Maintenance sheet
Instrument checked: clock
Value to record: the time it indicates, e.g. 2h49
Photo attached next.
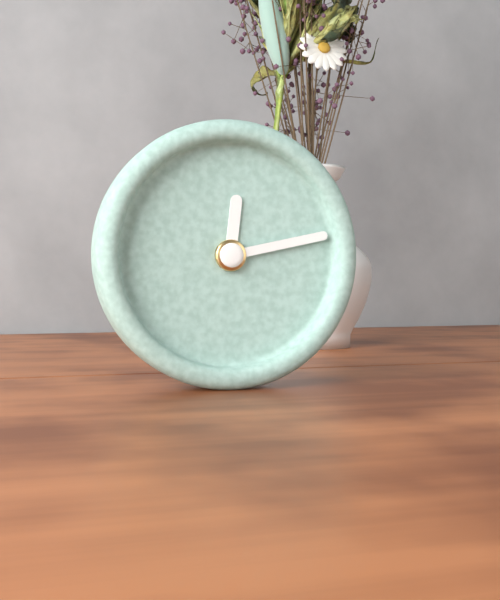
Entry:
12h13
